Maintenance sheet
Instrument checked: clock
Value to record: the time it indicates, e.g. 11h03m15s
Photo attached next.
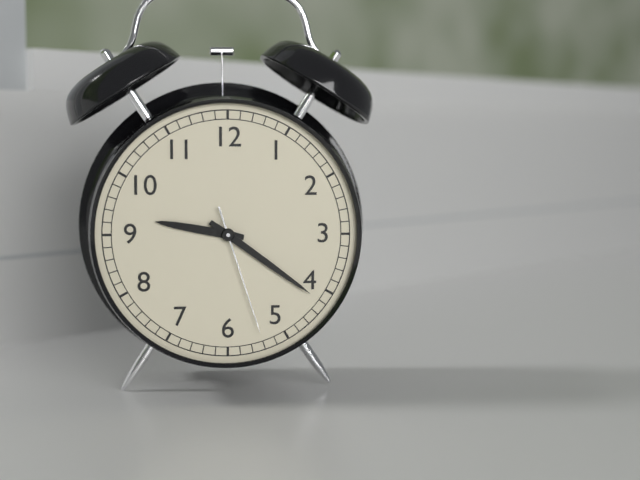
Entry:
9h21m27s
